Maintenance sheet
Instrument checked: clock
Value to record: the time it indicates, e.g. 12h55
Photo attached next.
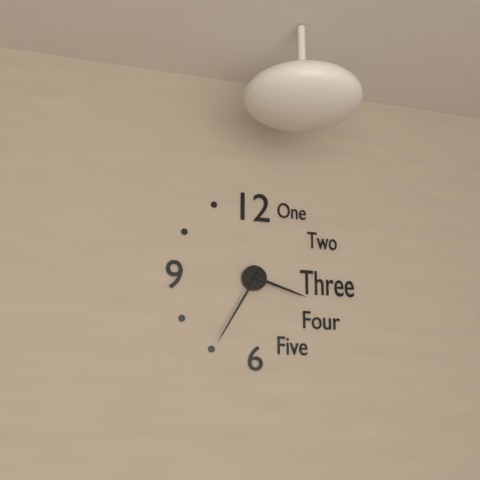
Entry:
3h35
